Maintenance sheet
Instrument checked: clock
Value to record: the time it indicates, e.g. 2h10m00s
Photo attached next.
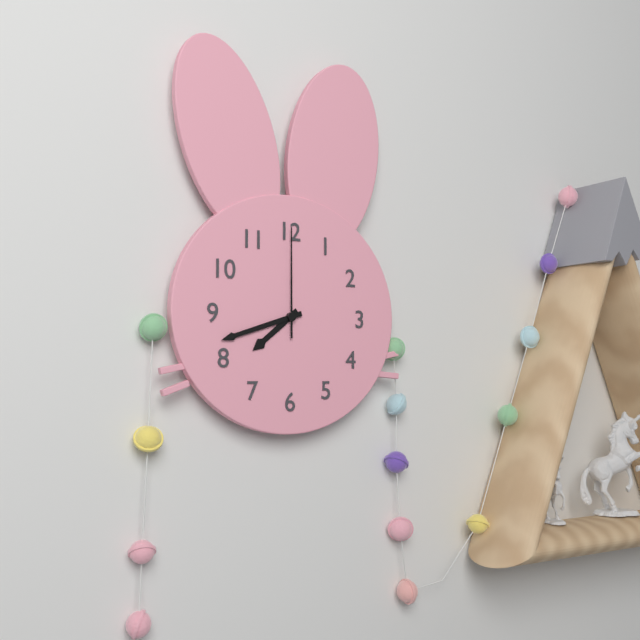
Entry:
7h42m00s
